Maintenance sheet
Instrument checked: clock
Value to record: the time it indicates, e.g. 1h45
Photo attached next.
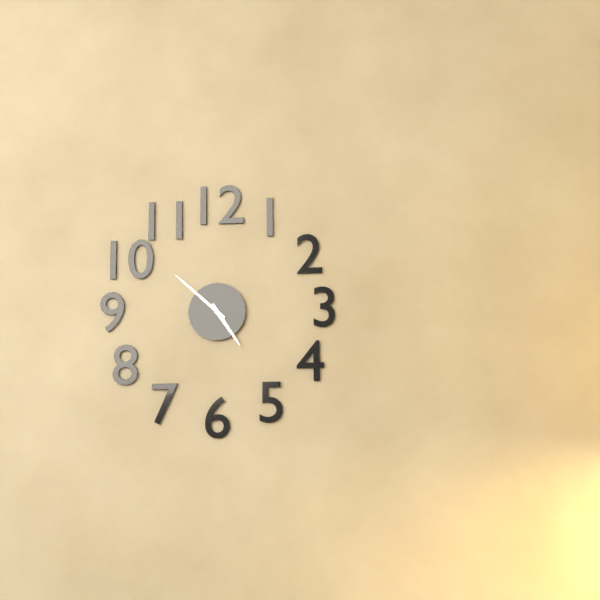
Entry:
4h52
